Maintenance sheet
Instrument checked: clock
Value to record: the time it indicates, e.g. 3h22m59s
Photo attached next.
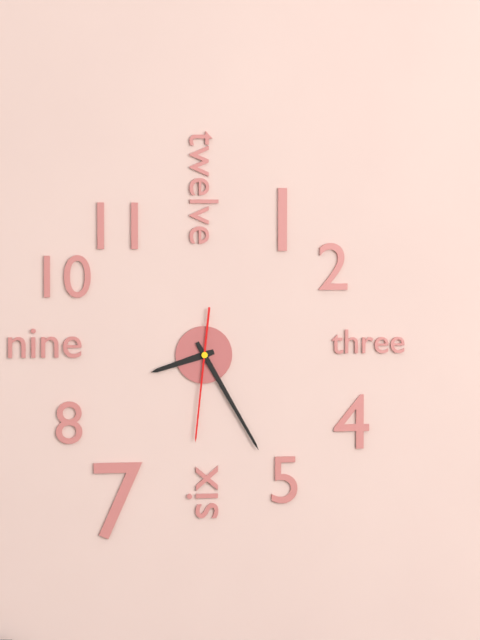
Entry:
8h25m31s
